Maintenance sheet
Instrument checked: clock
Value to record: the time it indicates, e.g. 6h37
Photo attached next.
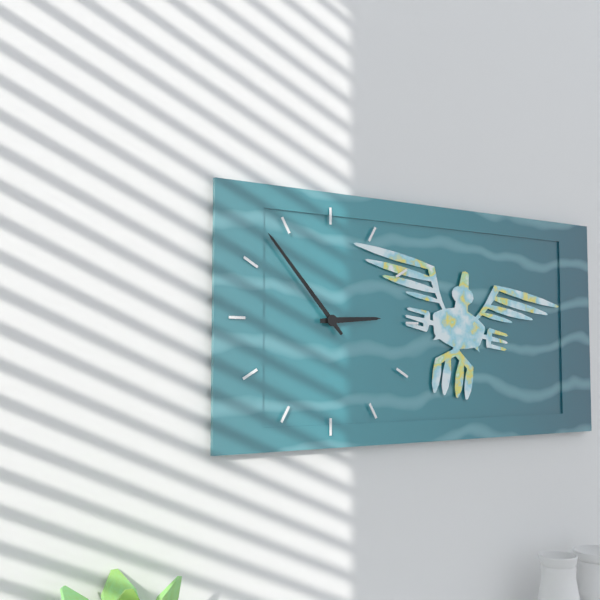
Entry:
2h53
